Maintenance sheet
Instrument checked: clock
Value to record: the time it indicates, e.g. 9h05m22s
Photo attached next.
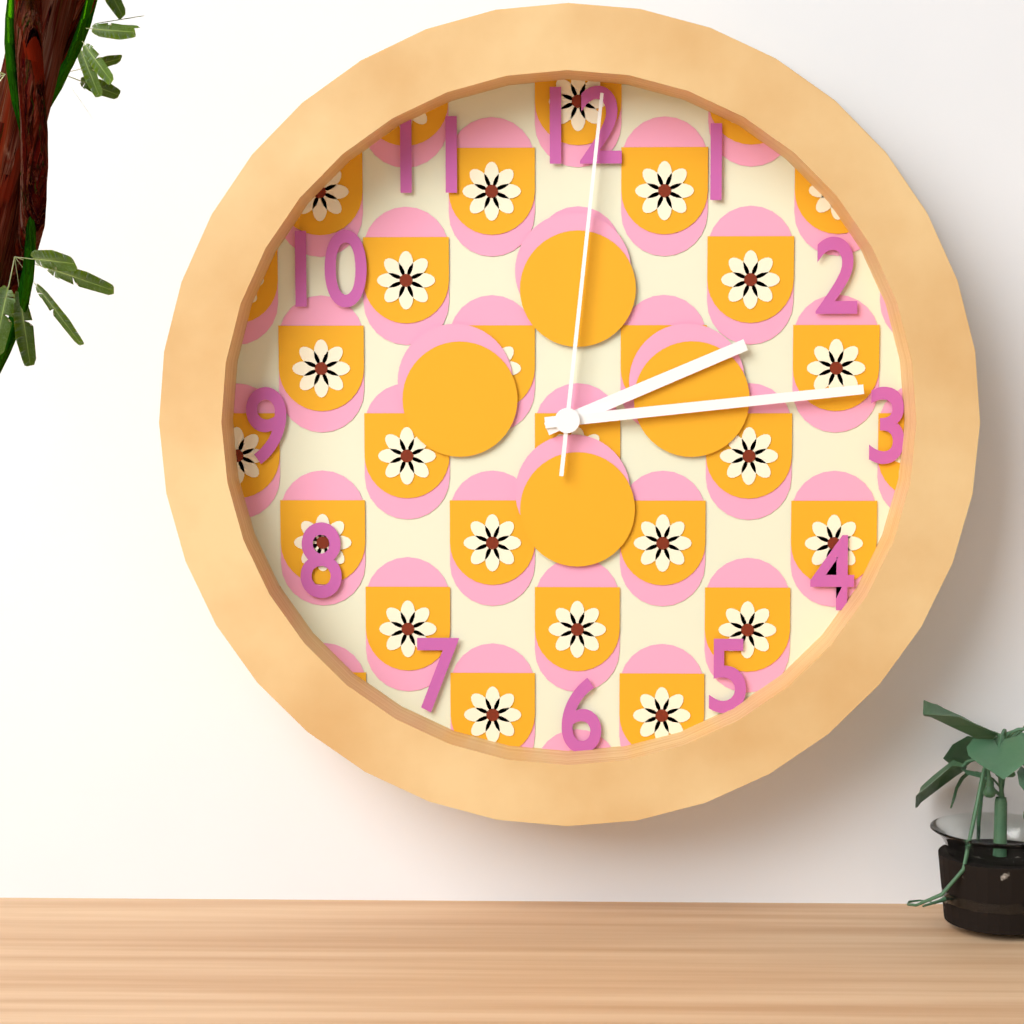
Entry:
2h14m01s
